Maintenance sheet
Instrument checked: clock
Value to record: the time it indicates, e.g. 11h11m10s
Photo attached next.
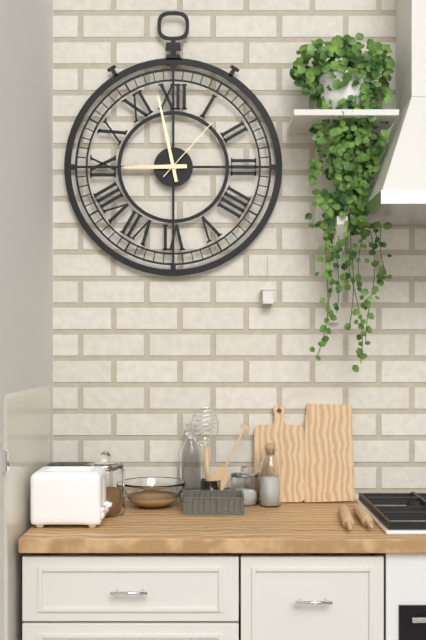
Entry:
8h58m07s
